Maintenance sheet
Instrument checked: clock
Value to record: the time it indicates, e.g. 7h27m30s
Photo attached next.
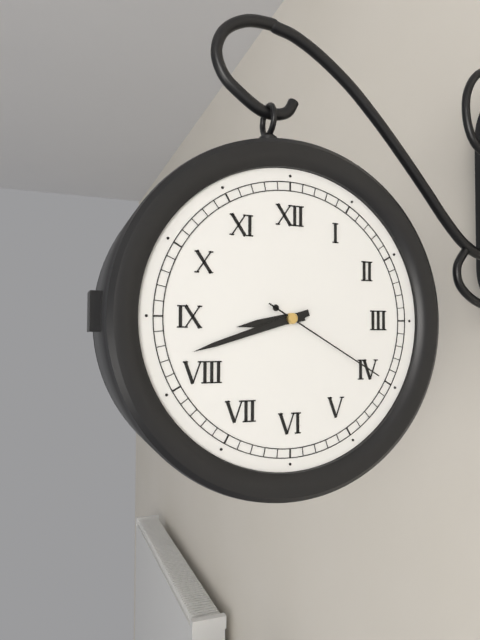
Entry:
8h42m20s
